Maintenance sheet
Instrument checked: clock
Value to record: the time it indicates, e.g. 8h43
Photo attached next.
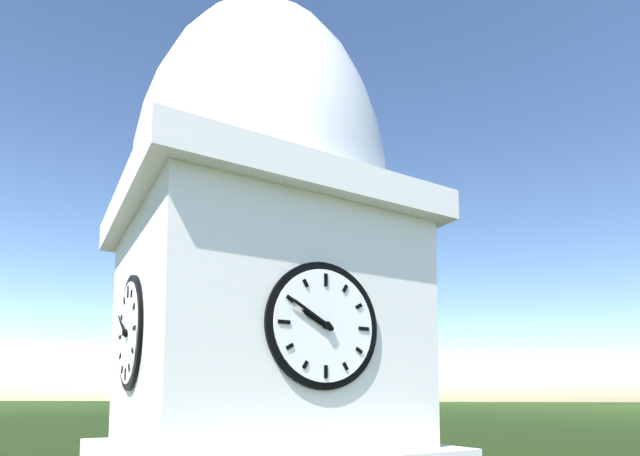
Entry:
9h50
